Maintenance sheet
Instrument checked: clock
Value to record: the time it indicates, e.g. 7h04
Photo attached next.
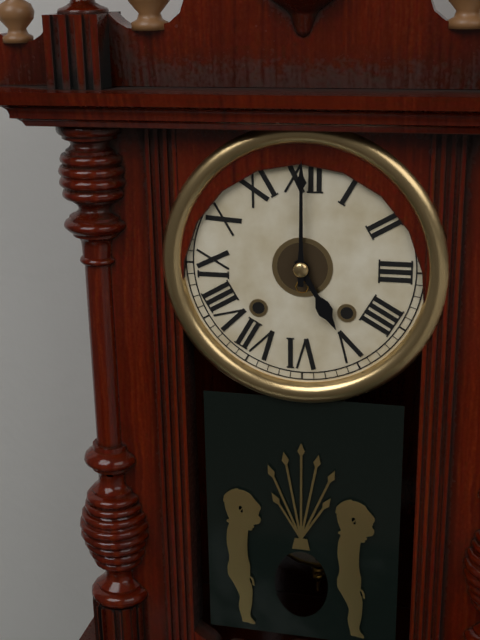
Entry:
5h00
